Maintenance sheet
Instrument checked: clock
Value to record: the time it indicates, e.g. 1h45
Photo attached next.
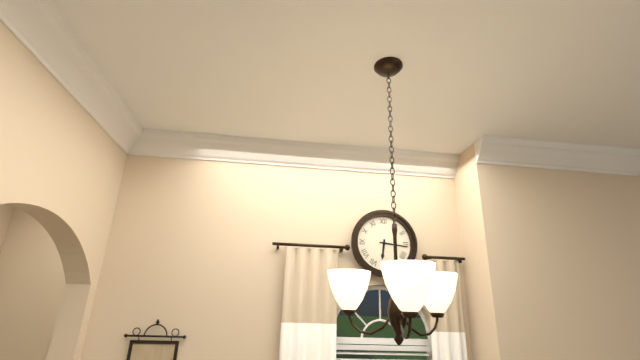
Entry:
6h16
